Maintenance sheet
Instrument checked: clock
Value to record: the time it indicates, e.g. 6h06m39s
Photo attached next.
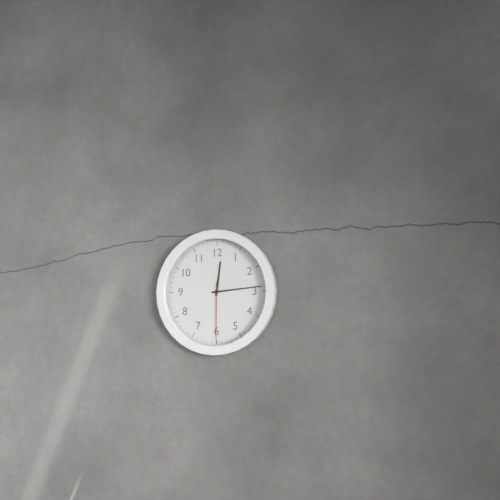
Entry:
12h14m30s
